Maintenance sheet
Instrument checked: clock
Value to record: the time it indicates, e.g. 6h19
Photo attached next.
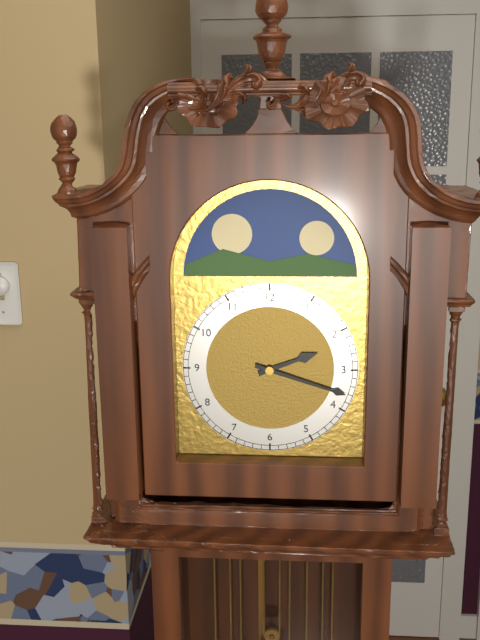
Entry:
2h18
